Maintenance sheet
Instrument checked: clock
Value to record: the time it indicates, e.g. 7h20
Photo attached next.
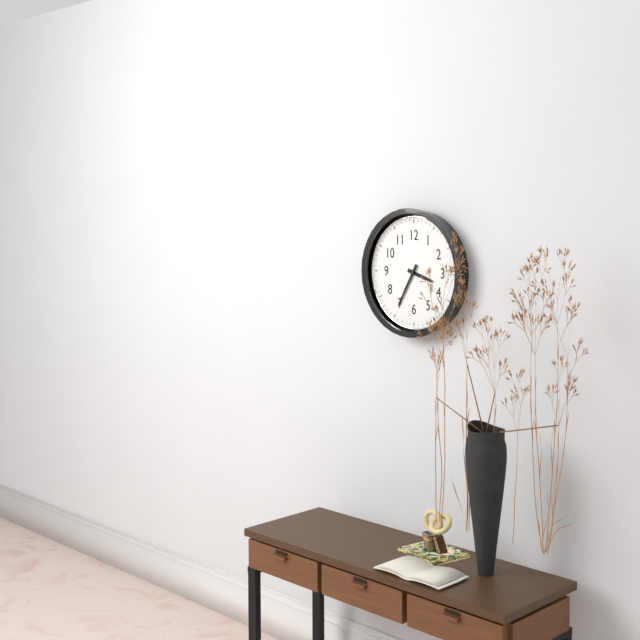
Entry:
3h35
